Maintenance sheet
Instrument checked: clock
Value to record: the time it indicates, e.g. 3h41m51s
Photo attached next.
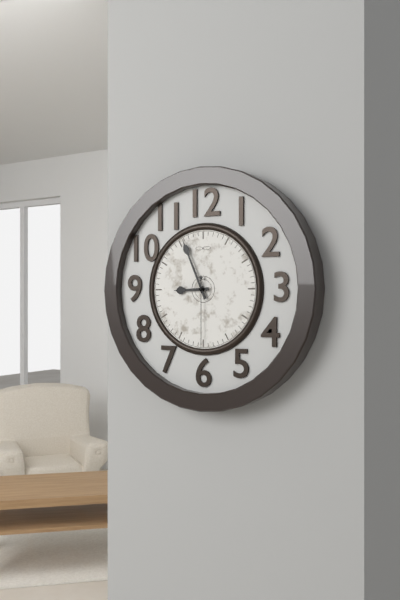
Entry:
8h56m30s
